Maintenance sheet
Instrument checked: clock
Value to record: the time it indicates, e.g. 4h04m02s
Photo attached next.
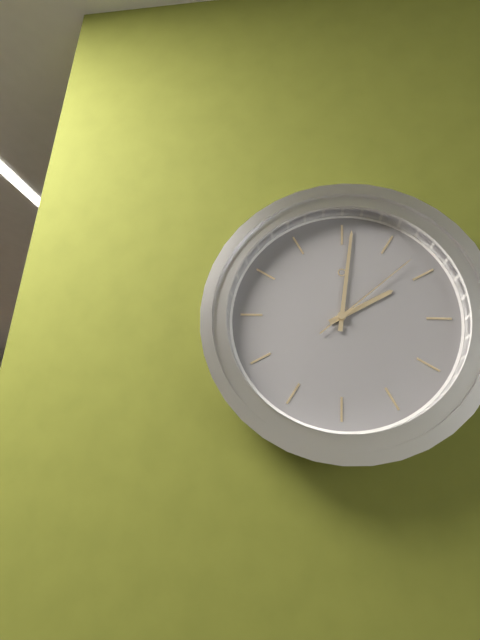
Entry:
2h01m08s
